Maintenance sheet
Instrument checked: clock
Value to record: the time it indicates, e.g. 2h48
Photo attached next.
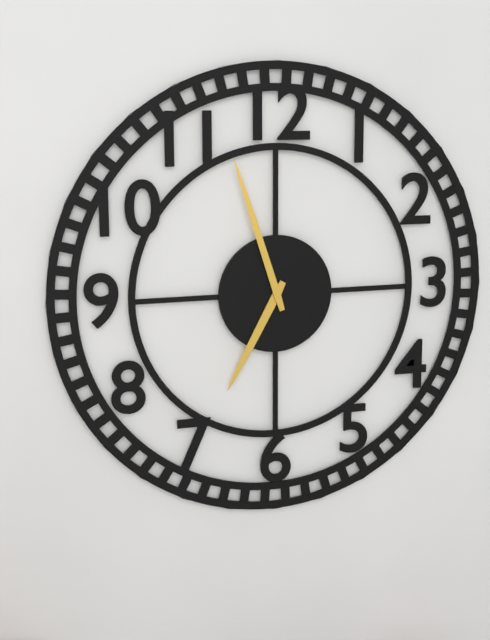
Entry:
6h57
